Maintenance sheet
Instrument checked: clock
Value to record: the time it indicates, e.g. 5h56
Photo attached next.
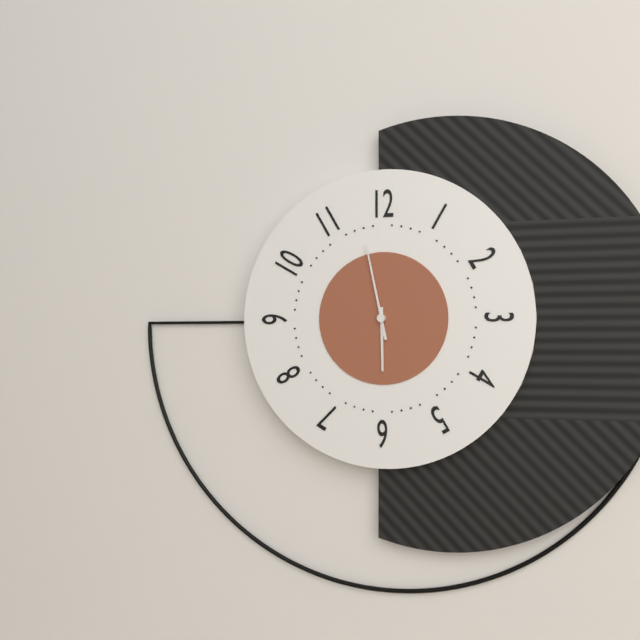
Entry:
5h58
